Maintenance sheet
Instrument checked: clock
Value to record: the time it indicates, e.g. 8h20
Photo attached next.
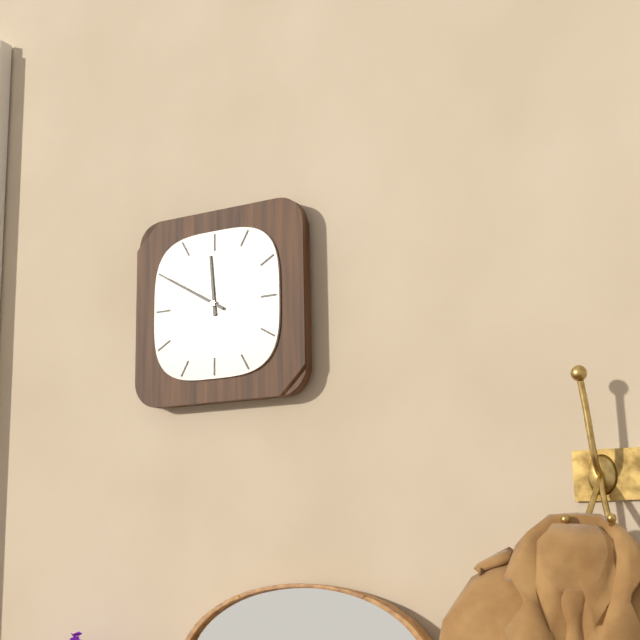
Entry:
11h50
